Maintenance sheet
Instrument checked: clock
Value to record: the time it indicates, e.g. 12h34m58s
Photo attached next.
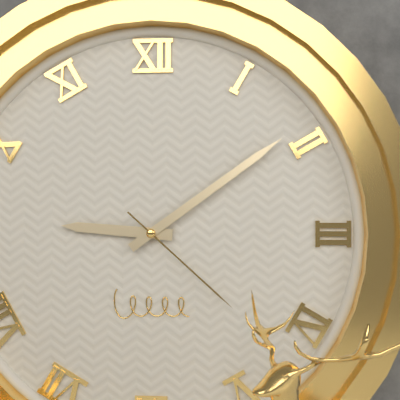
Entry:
9h09m22s
